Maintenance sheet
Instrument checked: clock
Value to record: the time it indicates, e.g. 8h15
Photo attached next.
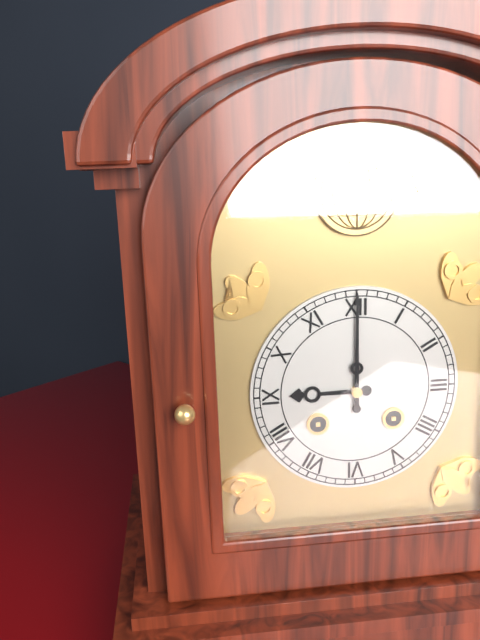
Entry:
9h00
